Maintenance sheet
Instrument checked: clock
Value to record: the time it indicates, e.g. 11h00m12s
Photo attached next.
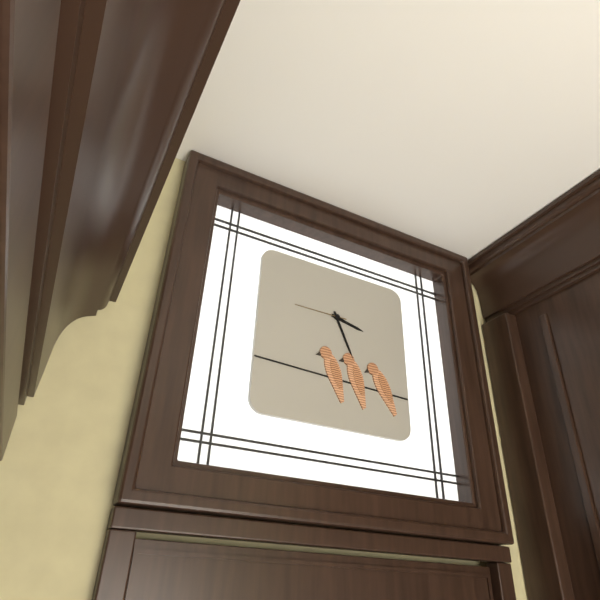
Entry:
3h26m45s
